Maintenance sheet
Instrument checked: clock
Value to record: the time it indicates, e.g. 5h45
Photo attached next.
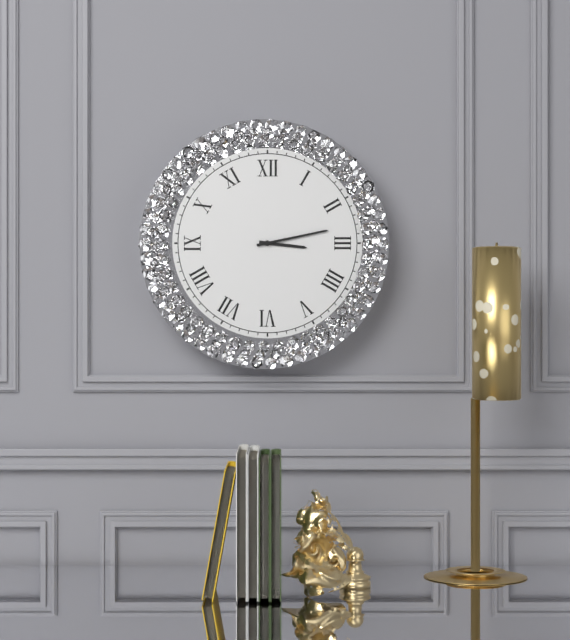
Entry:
3h13
